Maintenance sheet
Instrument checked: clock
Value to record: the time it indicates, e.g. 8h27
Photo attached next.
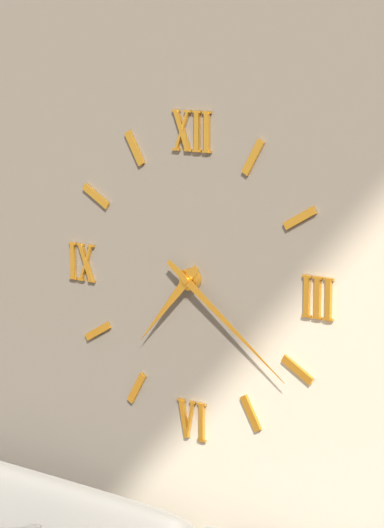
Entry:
7h21
